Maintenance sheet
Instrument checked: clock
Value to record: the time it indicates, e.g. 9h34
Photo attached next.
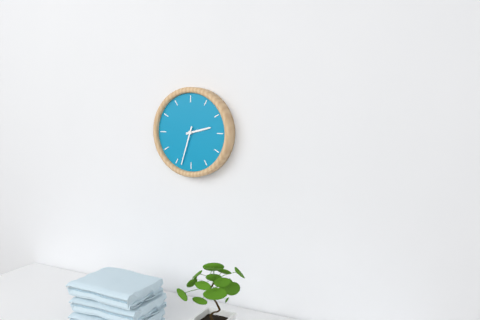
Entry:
2h33
